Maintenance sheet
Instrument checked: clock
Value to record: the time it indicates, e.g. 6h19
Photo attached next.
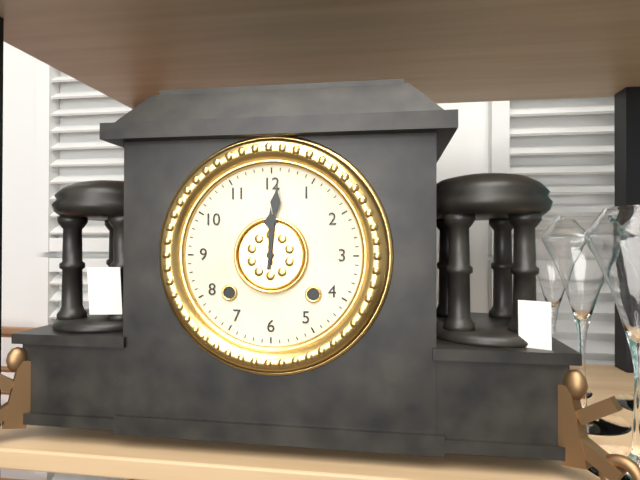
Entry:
12h01
